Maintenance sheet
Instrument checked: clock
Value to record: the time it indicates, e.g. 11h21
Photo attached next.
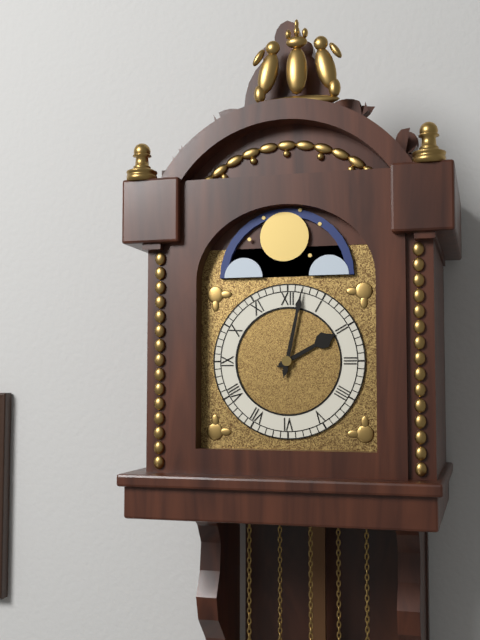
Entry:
2h02
